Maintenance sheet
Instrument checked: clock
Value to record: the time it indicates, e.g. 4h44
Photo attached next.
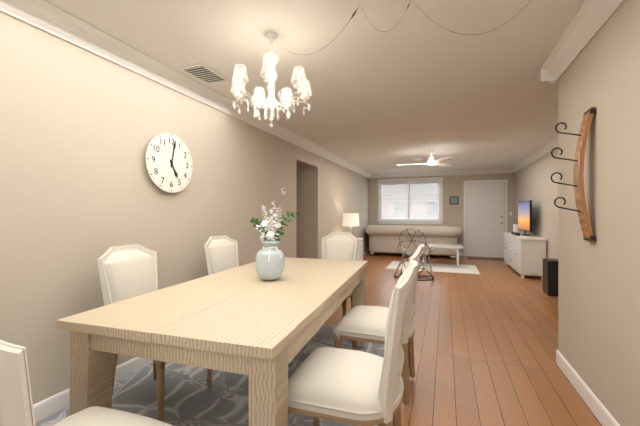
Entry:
5h02
